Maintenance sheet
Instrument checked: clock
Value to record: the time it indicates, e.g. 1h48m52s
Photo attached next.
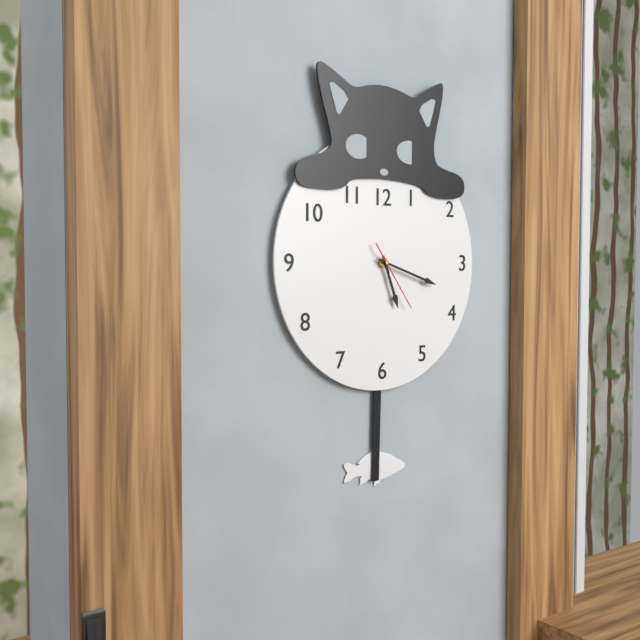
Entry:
5h18m24s
